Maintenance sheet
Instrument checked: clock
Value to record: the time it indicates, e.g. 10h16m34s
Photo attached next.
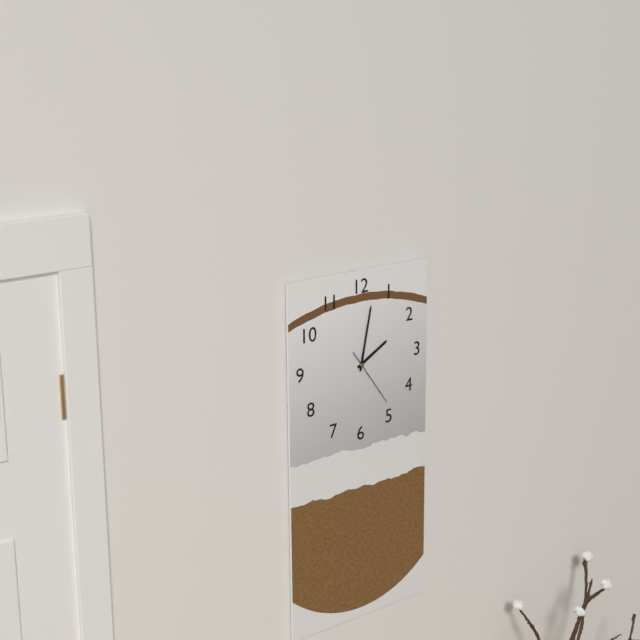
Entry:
2h02m24s
